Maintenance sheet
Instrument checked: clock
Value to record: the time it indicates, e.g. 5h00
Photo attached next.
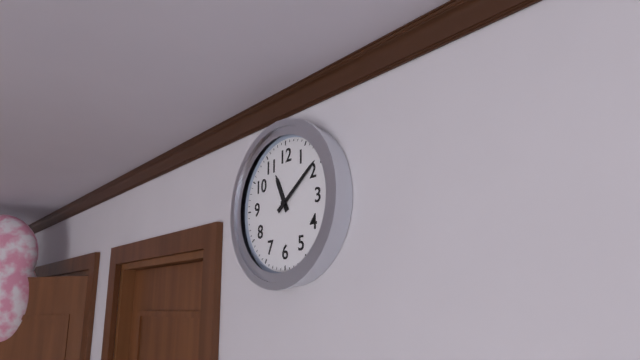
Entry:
11h09
